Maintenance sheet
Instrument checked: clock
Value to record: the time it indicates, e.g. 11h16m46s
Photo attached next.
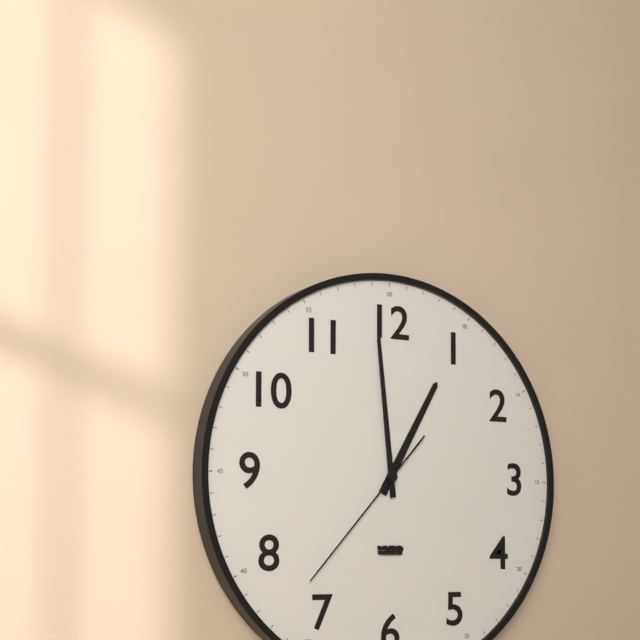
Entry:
12h59m37s
